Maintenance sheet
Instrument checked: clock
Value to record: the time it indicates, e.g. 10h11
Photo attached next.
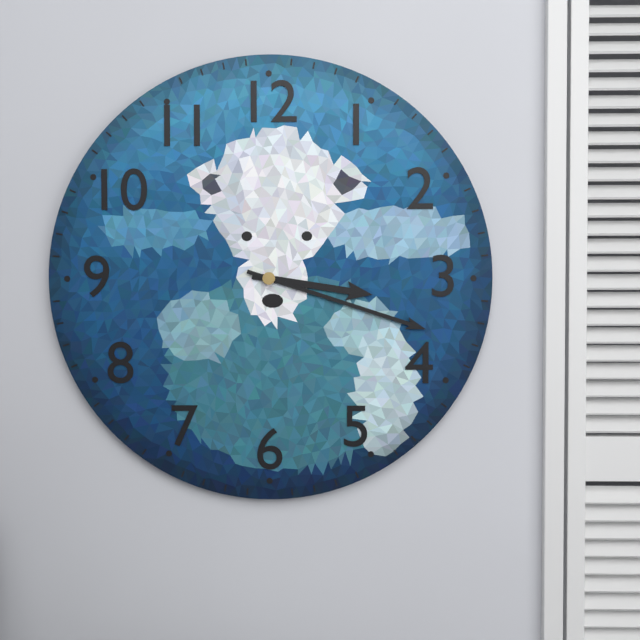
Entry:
3h18
